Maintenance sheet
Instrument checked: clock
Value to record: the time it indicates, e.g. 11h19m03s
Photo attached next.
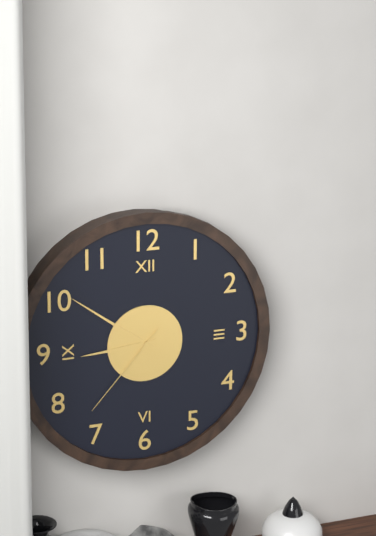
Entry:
8h51m37s
